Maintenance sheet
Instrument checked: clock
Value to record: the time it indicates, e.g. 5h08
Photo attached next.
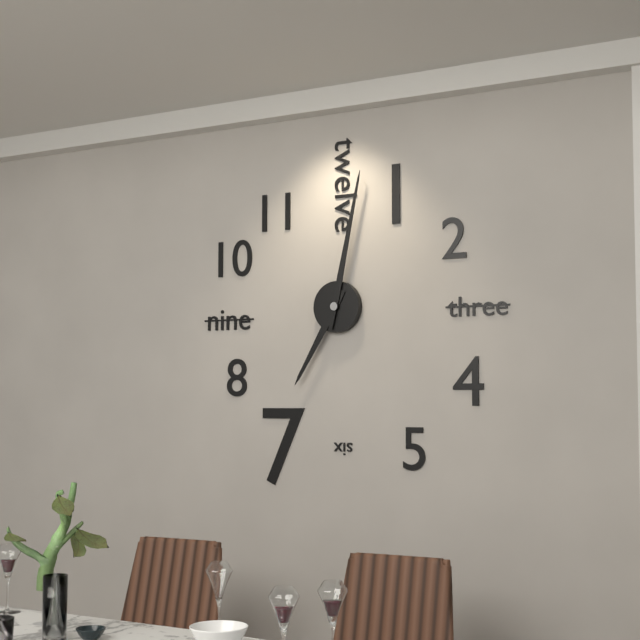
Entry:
7h02
